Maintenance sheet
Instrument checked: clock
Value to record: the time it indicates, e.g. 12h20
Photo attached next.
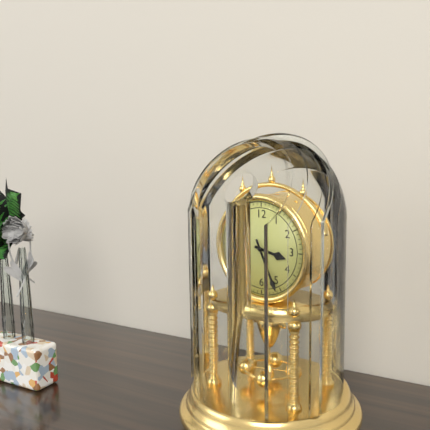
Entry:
3h26
